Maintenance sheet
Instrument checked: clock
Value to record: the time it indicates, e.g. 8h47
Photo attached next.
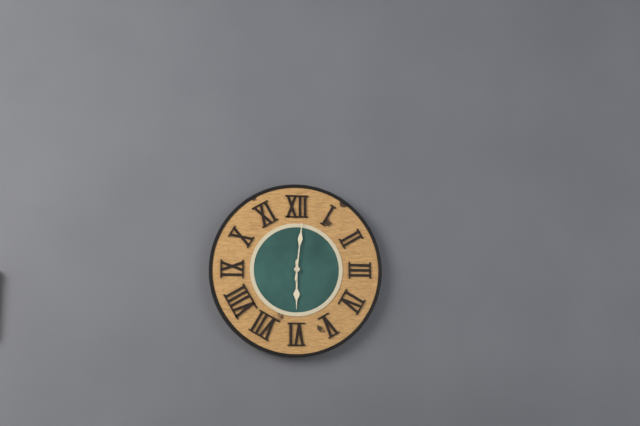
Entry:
6h01
